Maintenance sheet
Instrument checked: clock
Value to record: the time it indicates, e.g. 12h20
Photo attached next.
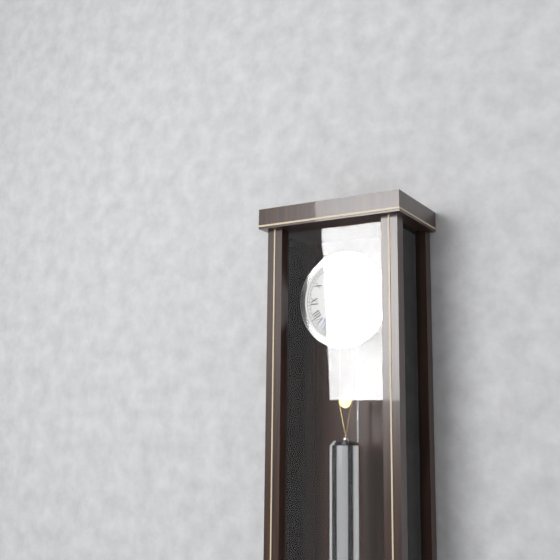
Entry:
2h37
